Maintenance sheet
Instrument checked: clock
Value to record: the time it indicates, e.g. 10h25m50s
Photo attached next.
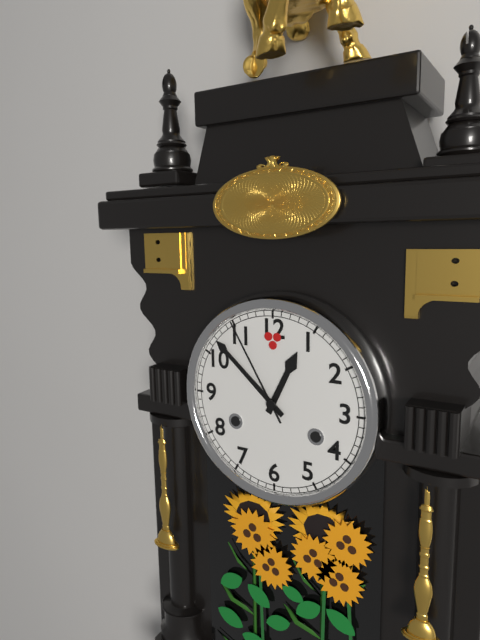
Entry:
12h52m55s
